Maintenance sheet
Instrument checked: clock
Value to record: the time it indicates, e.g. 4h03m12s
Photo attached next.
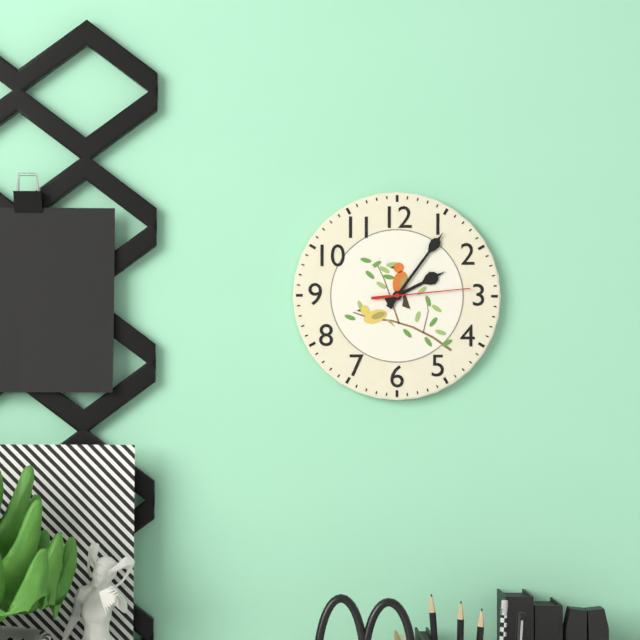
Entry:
2h06m14s
